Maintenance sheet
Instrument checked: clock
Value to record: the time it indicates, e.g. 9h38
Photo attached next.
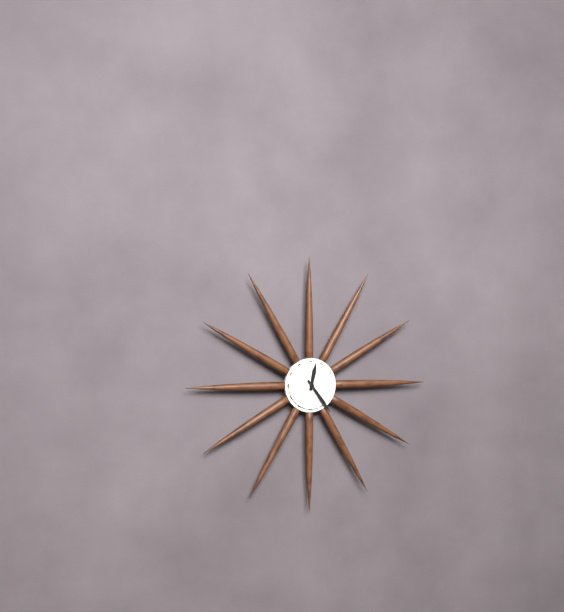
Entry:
12h24
